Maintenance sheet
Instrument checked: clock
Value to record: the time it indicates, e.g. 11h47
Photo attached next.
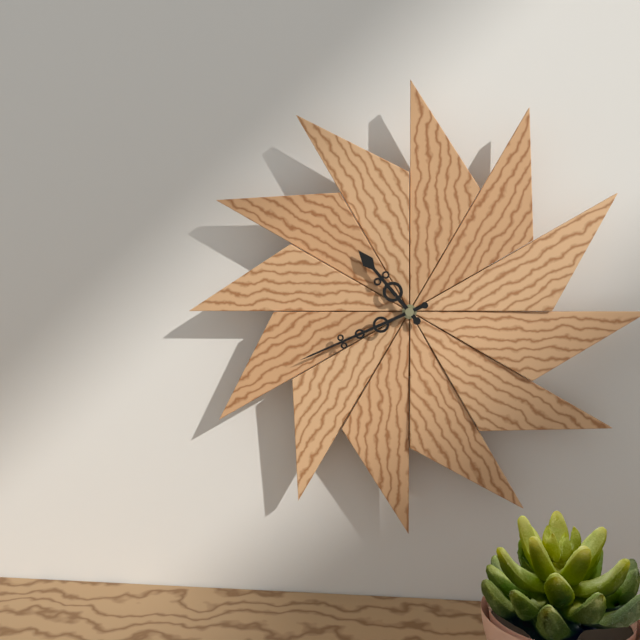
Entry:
10h41
